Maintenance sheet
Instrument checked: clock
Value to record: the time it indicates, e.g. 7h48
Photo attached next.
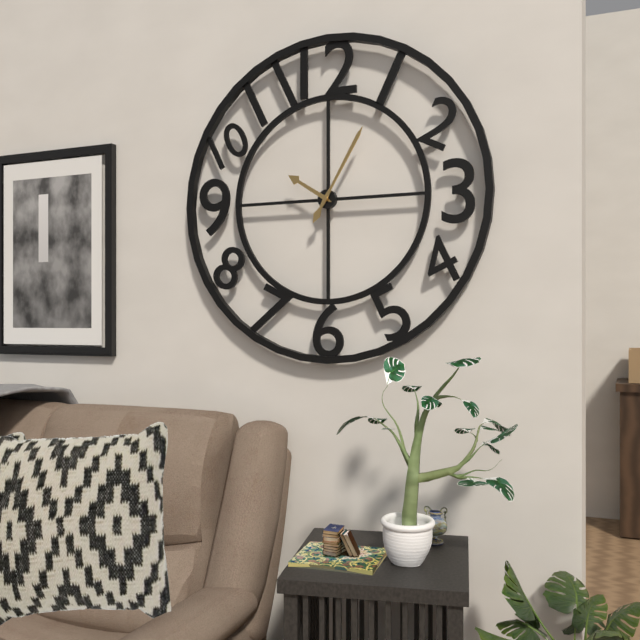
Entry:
10h05
